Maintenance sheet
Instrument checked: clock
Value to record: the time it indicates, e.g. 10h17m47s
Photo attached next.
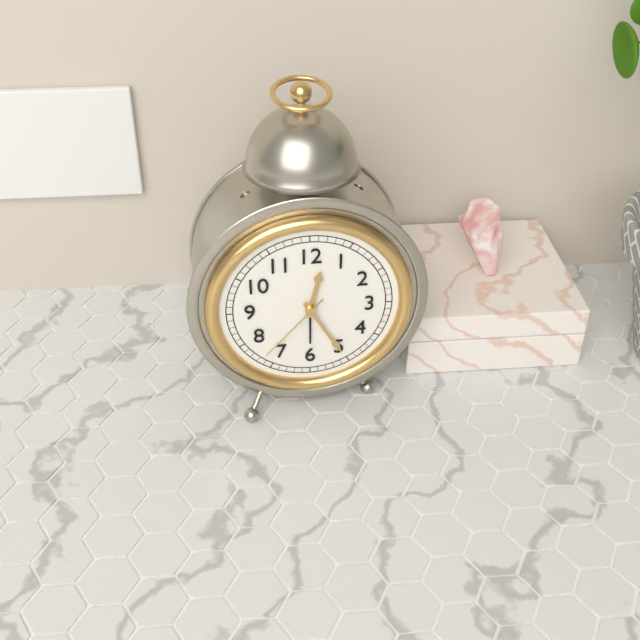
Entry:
12h25m37s
